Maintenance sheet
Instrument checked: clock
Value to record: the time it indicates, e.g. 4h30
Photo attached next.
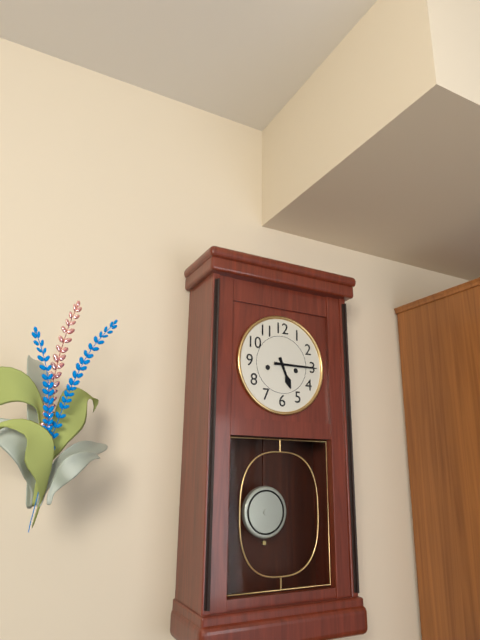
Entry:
5h15
